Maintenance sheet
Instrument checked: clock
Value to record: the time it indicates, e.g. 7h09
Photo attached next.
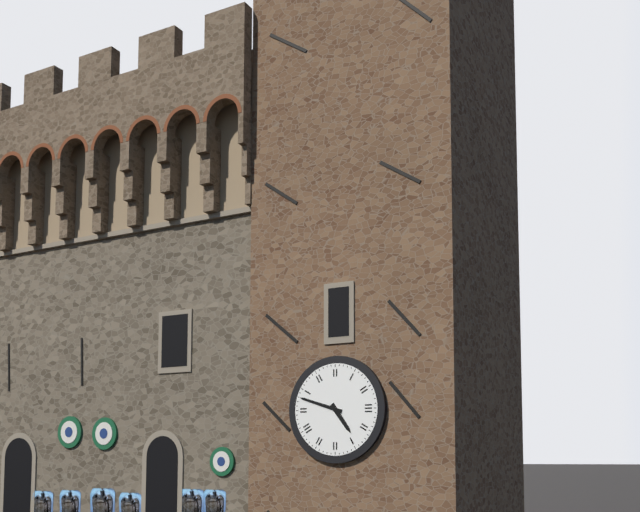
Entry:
4h48
